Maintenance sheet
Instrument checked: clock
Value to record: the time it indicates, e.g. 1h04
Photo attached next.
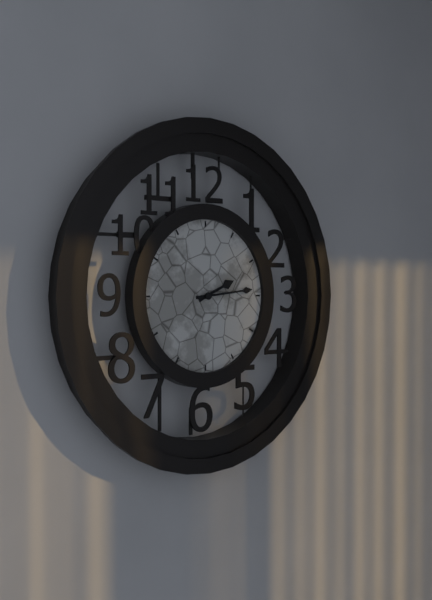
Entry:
2h14
